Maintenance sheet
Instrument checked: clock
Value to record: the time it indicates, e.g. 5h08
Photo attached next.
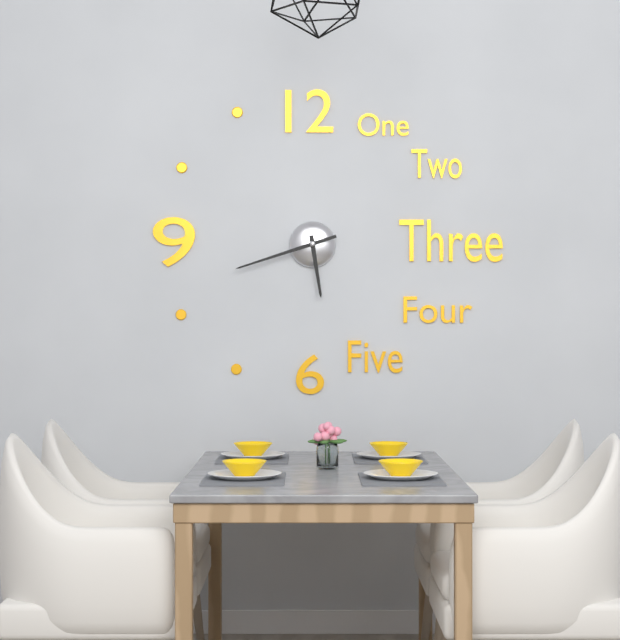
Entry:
5h42
